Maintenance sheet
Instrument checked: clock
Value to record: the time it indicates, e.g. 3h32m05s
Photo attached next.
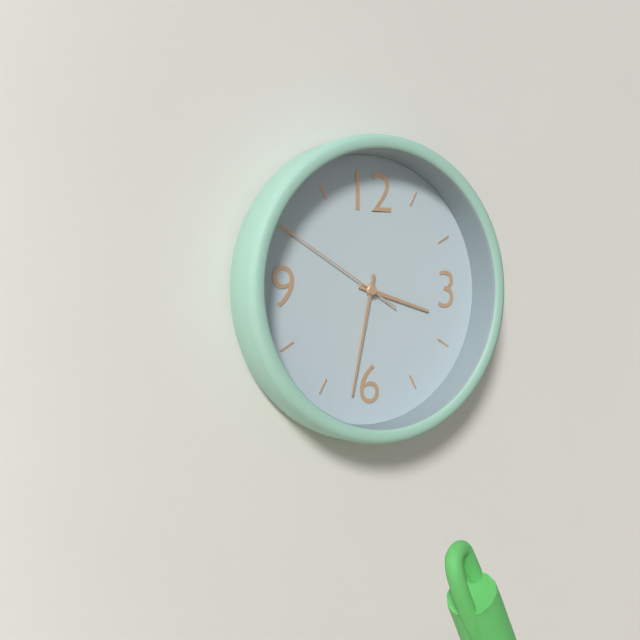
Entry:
3h32m50s
